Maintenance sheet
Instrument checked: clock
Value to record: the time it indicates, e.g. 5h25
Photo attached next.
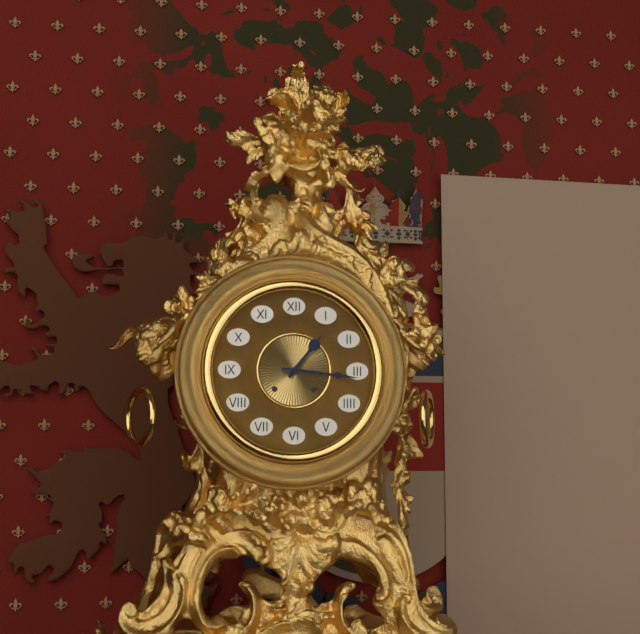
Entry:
1h16
